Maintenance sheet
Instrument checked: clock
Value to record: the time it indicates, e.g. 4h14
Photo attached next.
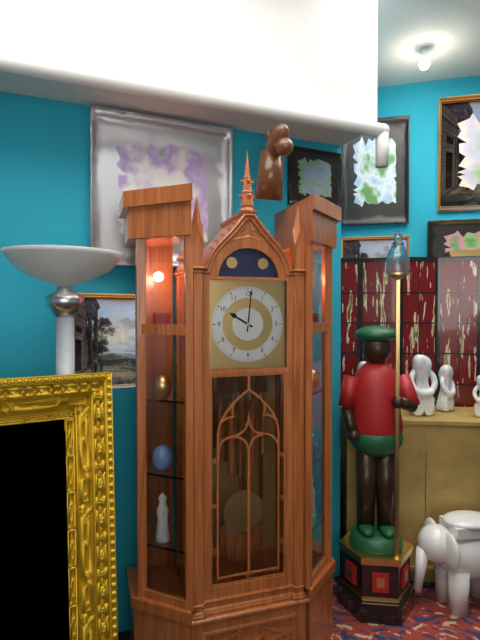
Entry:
10h01
